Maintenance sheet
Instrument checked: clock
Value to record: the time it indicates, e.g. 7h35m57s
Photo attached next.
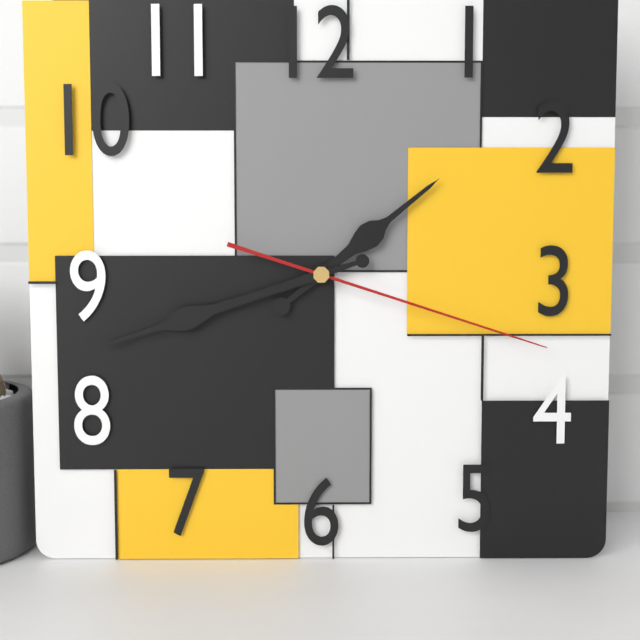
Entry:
1h42m18s
